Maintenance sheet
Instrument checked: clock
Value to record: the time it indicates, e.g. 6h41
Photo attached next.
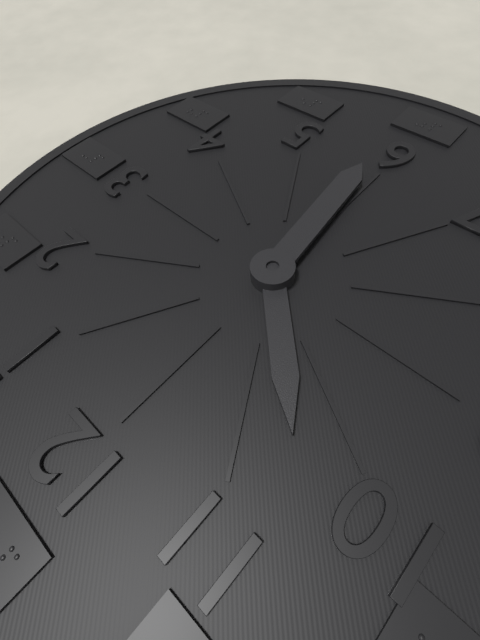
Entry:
10h29
